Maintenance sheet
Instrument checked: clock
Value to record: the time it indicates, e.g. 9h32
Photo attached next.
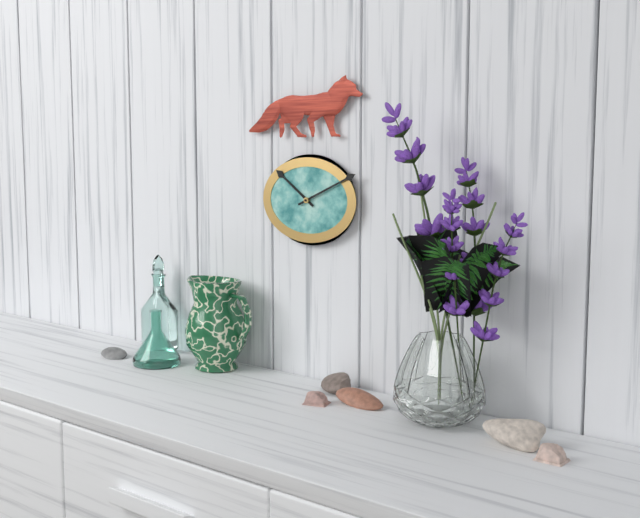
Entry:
10h11
